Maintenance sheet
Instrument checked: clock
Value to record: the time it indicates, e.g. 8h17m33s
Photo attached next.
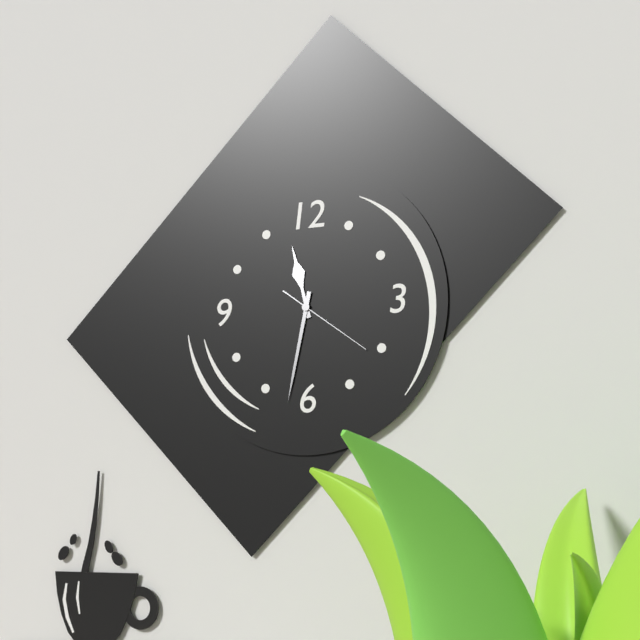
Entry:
11h32m21s
